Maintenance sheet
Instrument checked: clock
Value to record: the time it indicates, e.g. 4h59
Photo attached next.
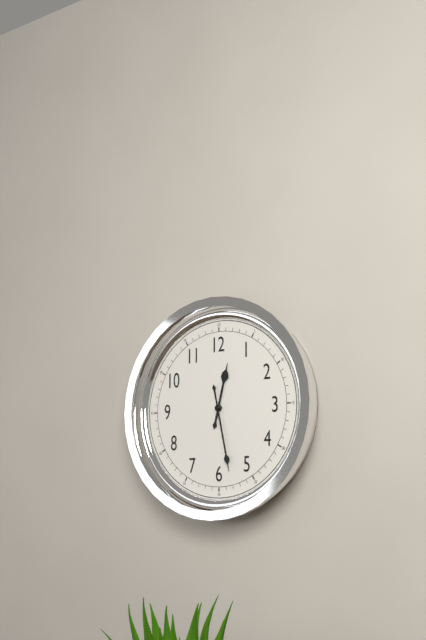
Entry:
12h28
